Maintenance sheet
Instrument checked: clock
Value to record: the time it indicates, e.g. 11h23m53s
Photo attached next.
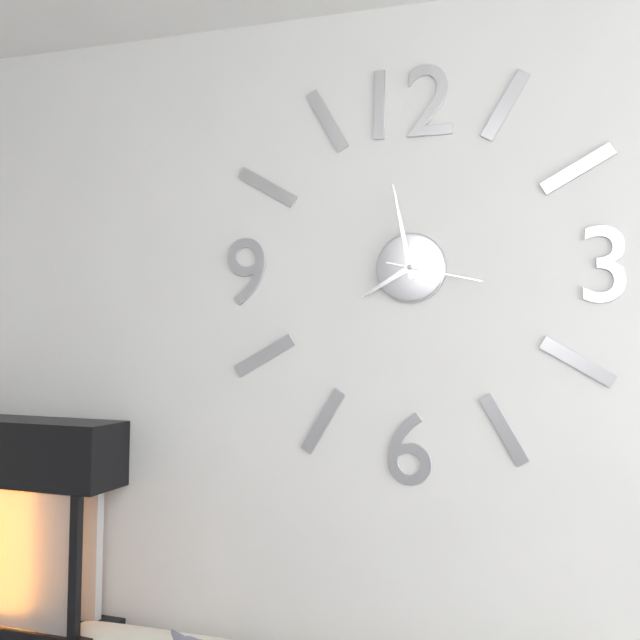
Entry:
7h58m17s
